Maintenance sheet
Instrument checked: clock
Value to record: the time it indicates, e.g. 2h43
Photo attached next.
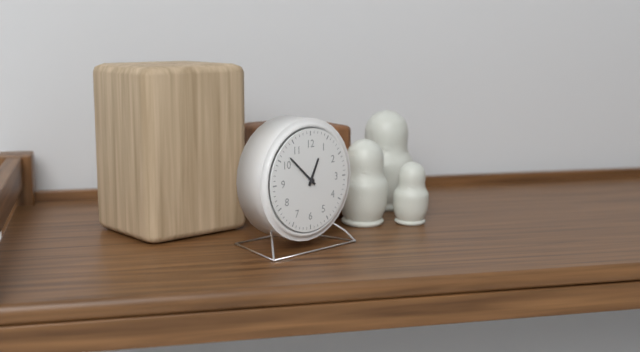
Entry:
12h52
